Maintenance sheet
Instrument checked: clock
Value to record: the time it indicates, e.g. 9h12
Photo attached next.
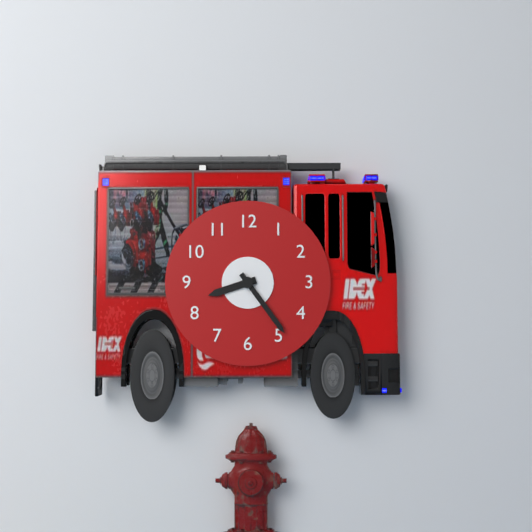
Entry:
8h24
